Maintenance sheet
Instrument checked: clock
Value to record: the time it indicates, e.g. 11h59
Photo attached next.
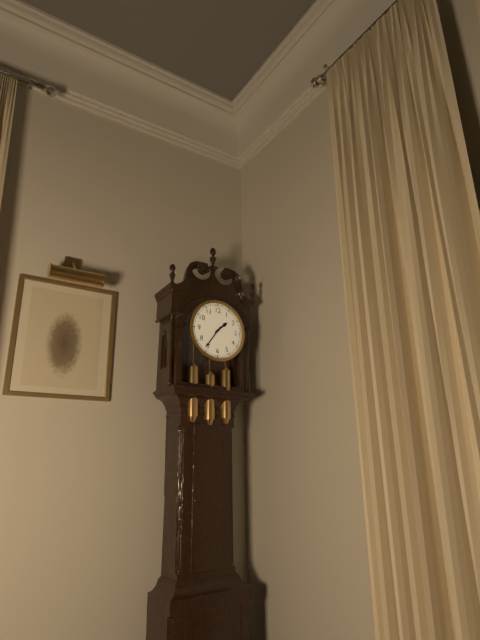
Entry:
1h36
